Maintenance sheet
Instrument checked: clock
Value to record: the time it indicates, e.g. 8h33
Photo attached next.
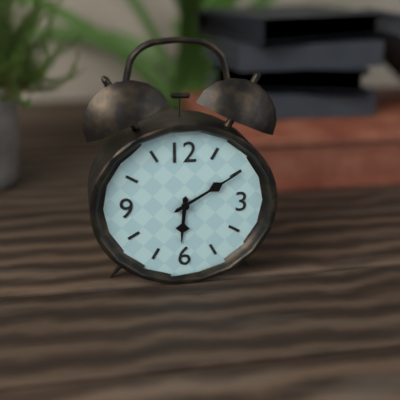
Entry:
6h10
